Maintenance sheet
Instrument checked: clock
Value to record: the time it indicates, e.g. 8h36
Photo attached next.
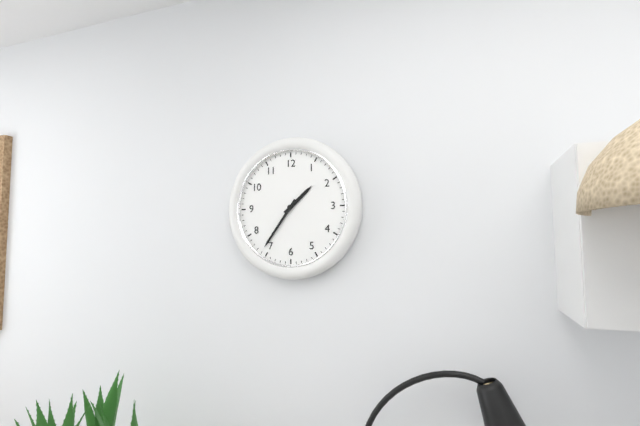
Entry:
1h36
